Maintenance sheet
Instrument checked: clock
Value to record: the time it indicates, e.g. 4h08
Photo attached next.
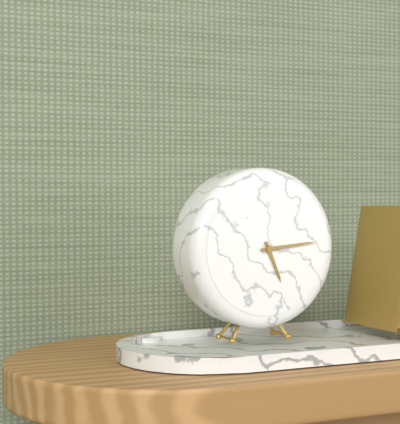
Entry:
5h14
